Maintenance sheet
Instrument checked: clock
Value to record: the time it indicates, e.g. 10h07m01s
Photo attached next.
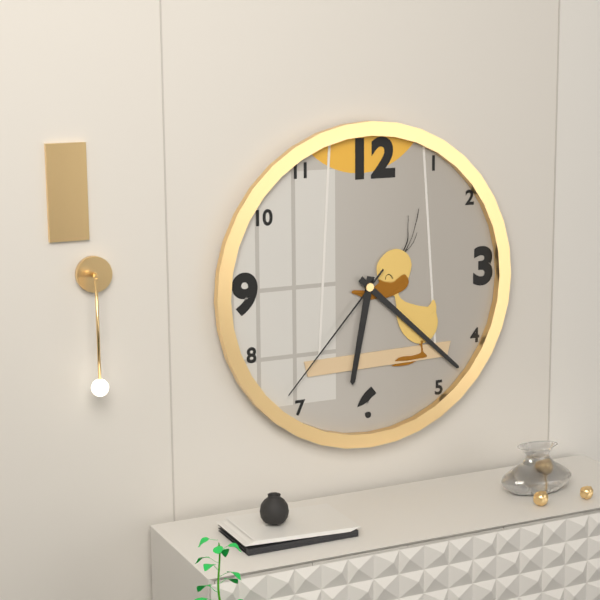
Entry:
6h22m37s
